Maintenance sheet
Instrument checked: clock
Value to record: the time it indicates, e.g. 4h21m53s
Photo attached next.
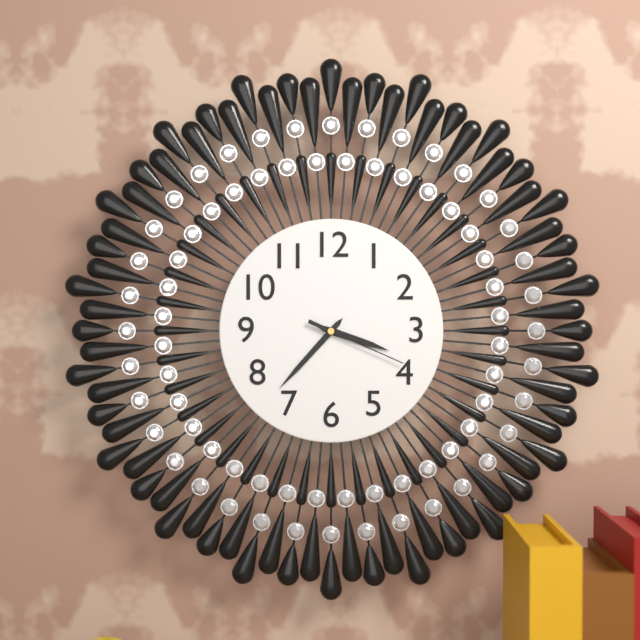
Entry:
3h37m19s
